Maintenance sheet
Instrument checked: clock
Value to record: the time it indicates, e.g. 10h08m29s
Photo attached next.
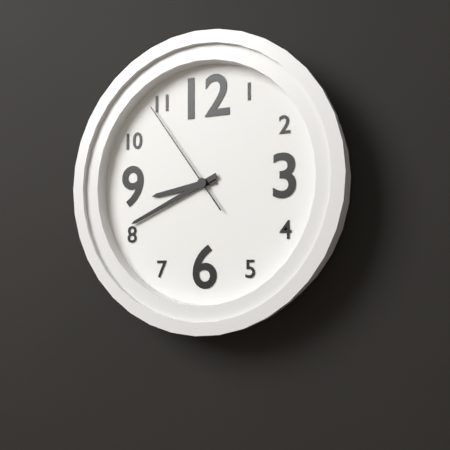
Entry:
8h41m54s
